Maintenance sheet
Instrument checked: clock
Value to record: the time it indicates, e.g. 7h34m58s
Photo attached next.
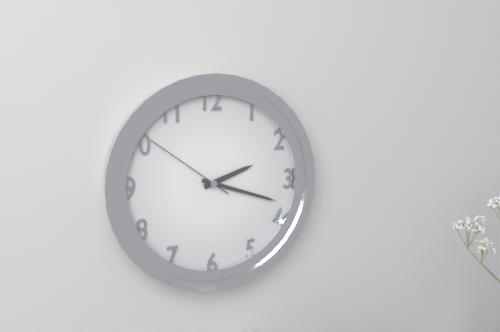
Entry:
2h18m51s
